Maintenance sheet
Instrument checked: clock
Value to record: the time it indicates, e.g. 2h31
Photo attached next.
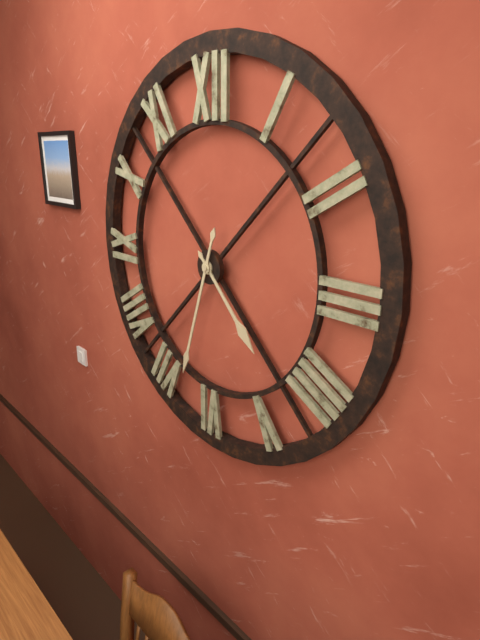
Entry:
4h33
